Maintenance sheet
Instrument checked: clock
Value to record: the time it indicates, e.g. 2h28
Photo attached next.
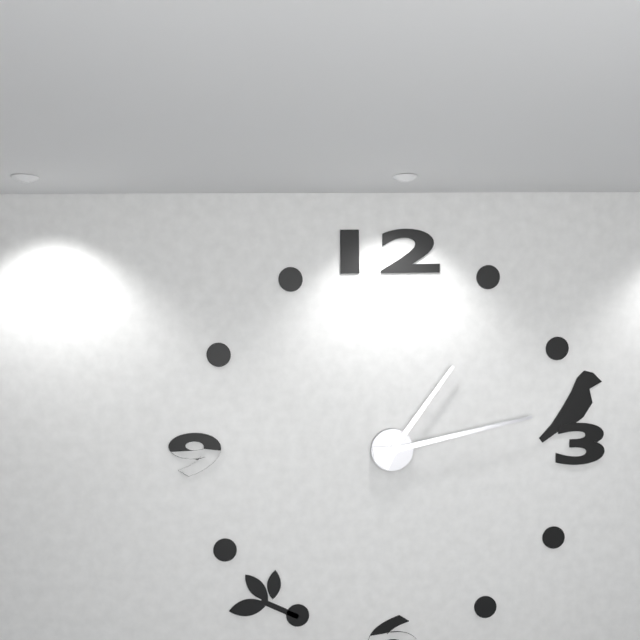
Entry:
1h13
